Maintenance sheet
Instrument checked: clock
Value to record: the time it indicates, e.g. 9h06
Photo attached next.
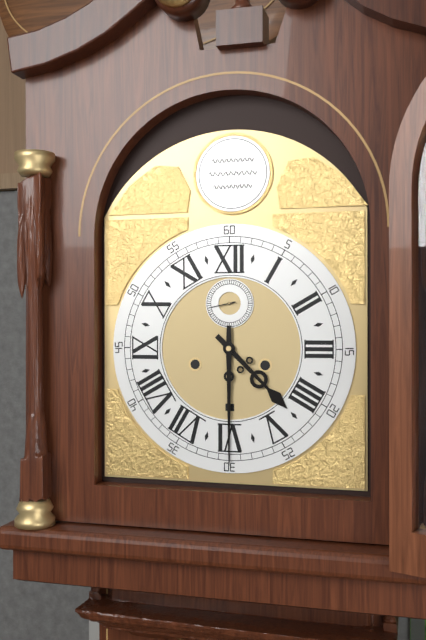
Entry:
4h30
